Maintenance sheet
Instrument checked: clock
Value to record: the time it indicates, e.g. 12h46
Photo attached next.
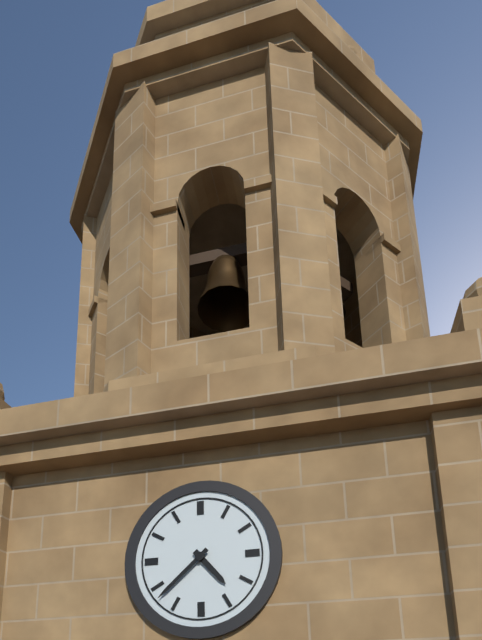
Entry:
4h38
